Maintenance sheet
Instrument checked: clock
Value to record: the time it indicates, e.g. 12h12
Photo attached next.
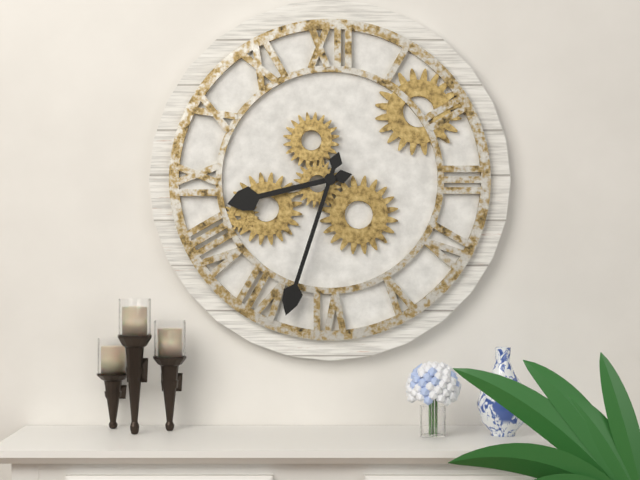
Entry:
8h33
